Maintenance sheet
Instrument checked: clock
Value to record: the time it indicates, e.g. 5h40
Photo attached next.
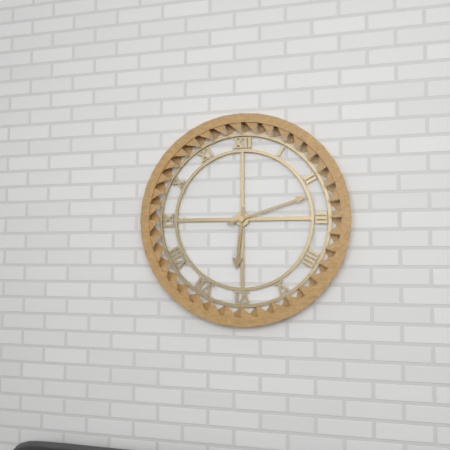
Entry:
6h12
